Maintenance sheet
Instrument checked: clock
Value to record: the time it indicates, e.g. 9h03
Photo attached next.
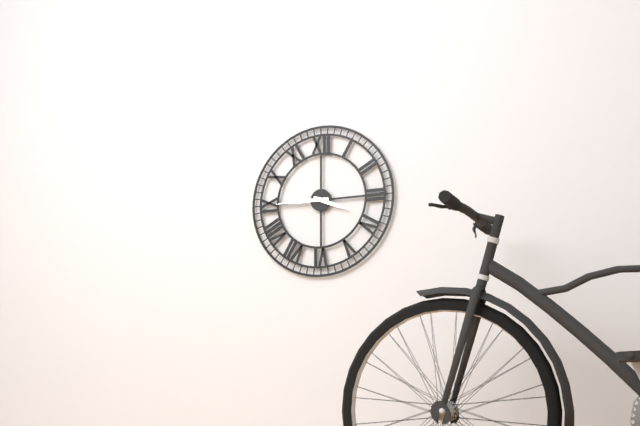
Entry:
3h45
